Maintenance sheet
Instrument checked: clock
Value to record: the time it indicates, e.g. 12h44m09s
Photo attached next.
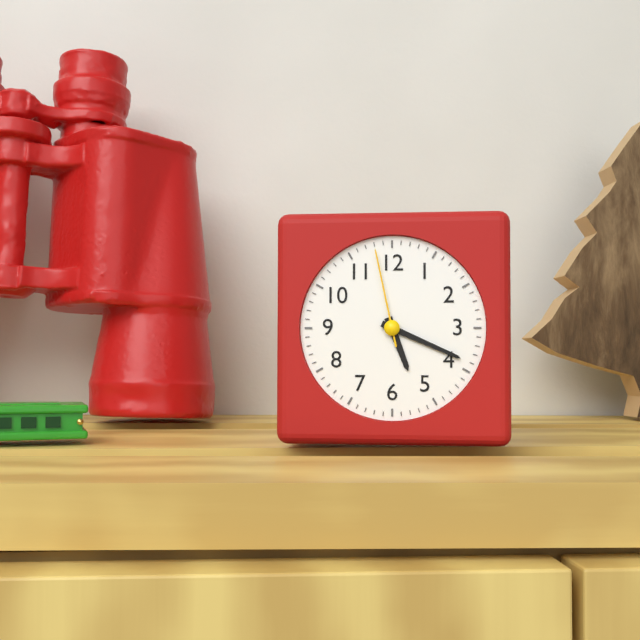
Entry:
5h19m58s
